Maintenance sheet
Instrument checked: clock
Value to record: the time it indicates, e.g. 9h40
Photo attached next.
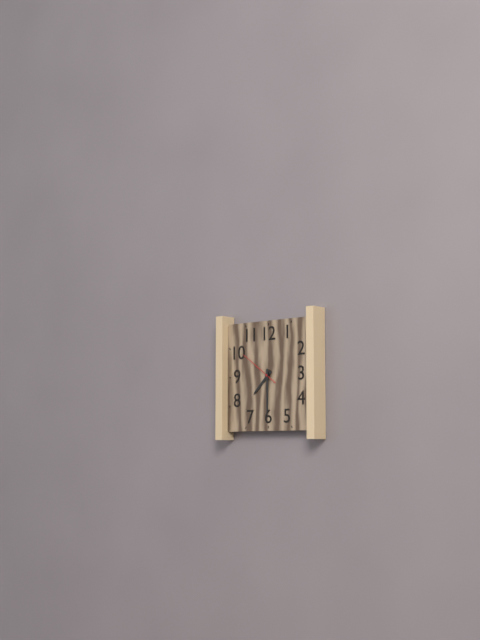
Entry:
7h30
